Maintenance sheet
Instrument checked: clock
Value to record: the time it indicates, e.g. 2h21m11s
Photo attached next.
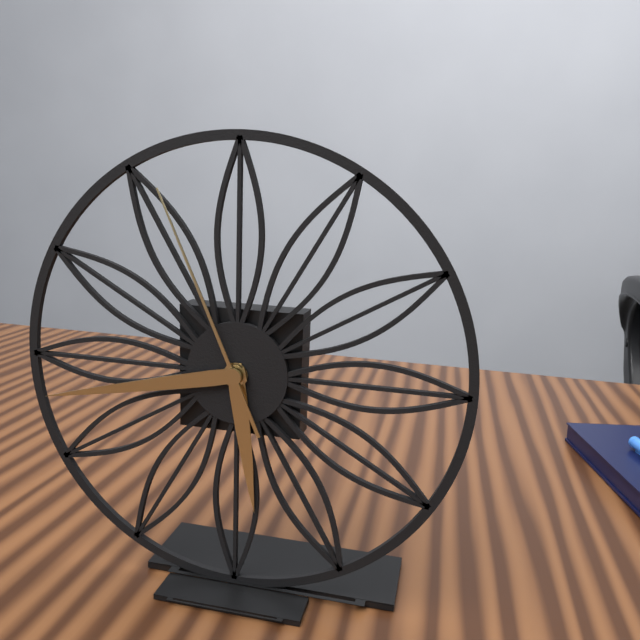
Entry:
5h43m56s
